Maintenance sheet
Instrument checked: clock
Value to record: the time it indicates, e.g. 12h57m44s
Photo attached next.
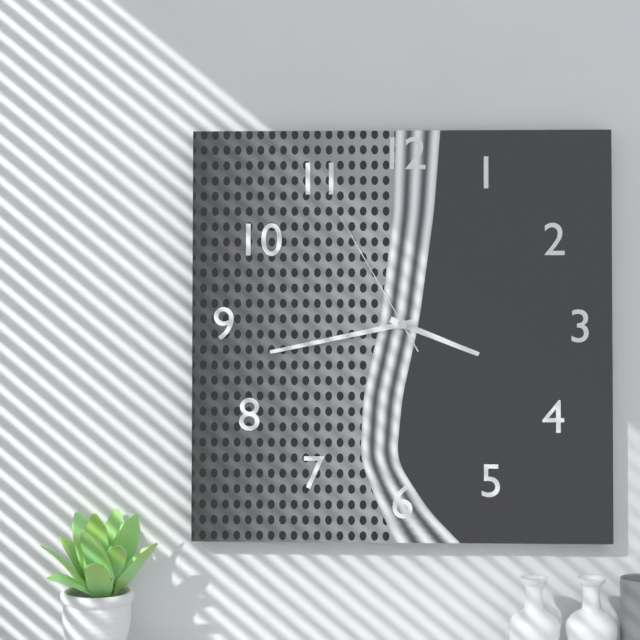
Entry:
3h43m55s
